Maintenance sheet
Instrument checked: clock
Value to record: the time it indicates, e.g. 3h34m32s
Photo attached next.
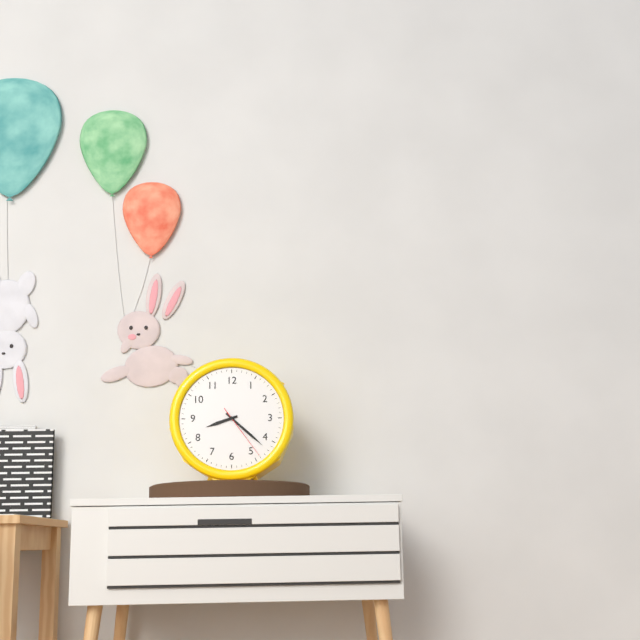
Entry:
8h22m24s
